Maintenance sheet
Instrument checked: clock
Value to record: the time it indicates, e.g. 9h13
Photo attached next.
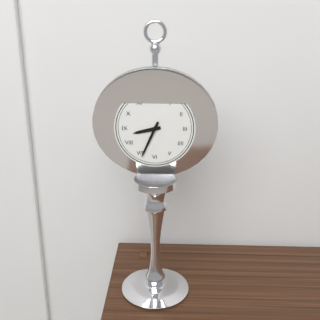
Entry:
8h34
